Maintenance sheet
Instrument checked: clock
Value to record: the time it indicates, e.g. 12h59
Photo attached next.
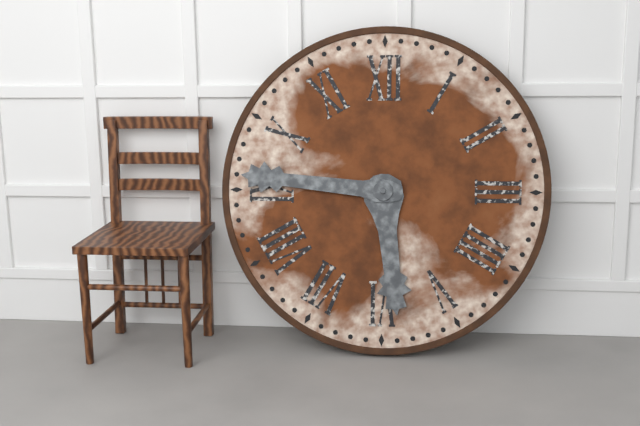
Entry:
5h46
